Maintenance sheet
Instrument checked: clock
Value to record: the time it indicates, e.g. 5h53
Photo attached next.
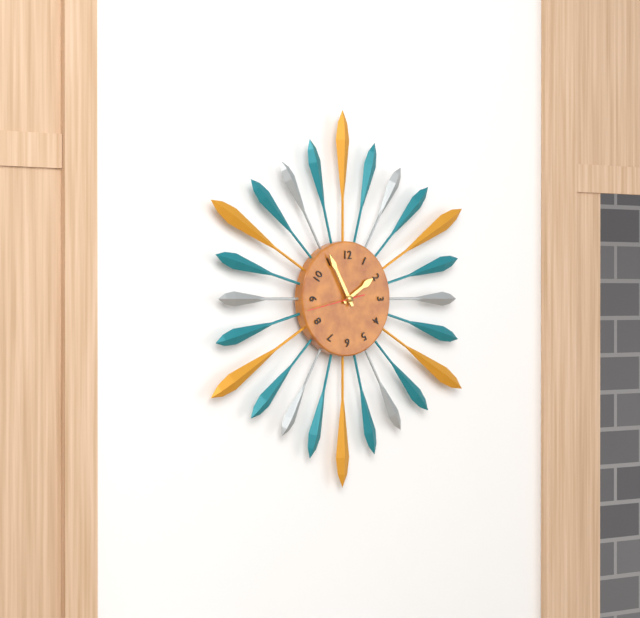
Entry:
1h55
